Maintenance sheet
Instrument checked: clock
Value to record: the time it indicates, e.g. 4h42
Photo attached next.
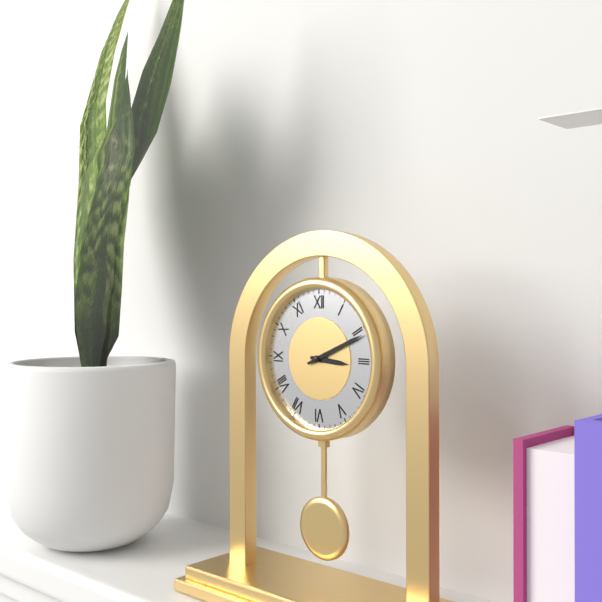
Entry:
3h11
